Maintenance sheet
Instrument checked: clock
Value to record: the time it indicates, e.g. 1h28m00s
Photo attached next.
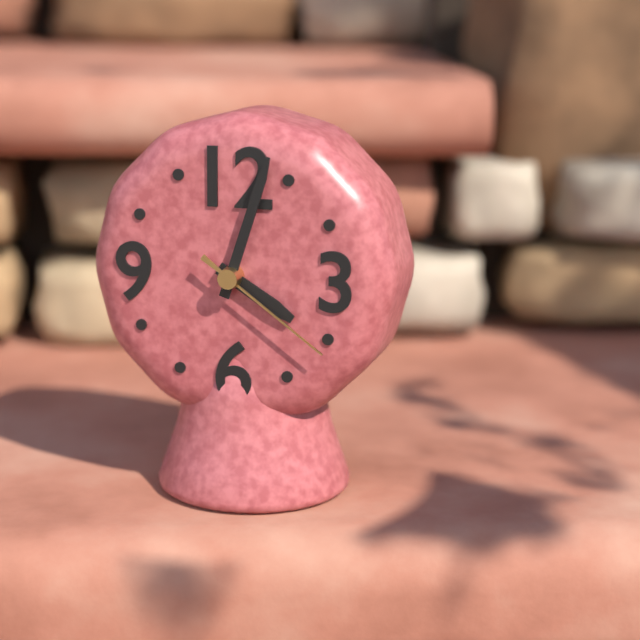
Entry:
4h03m21s
